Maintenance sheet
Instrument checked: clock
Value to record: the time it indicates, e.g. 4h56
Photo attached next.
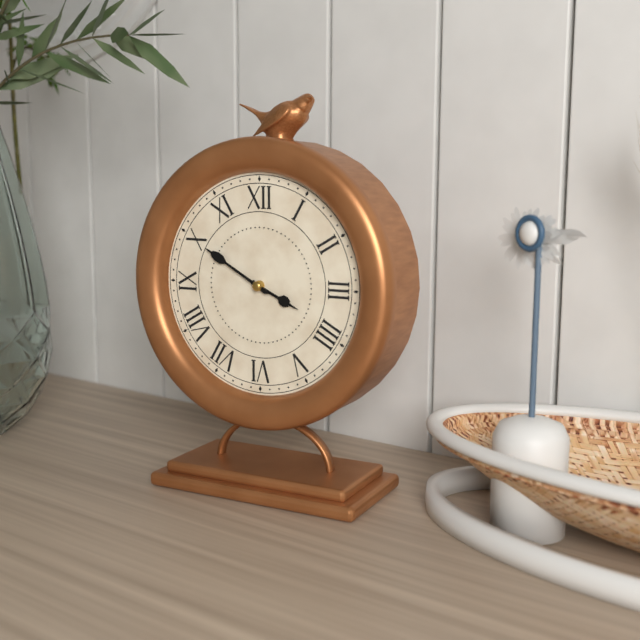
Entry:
3h50
